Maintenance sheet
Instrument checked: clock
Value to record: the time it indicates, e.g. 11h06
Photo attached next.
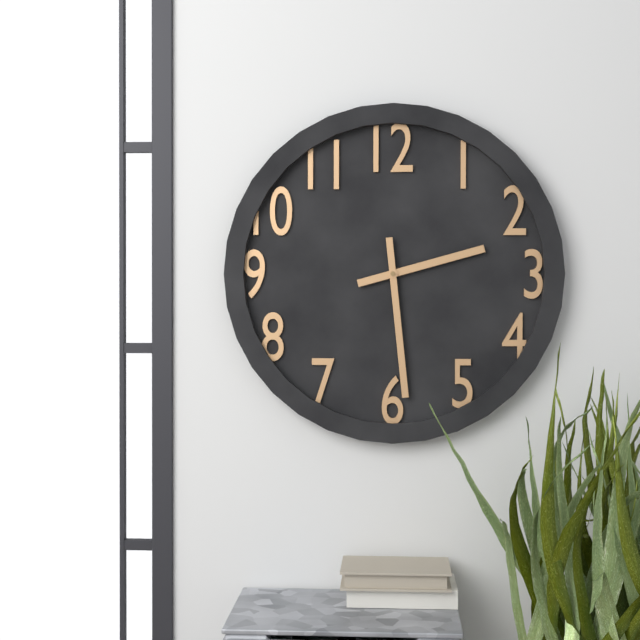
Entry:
2h29
